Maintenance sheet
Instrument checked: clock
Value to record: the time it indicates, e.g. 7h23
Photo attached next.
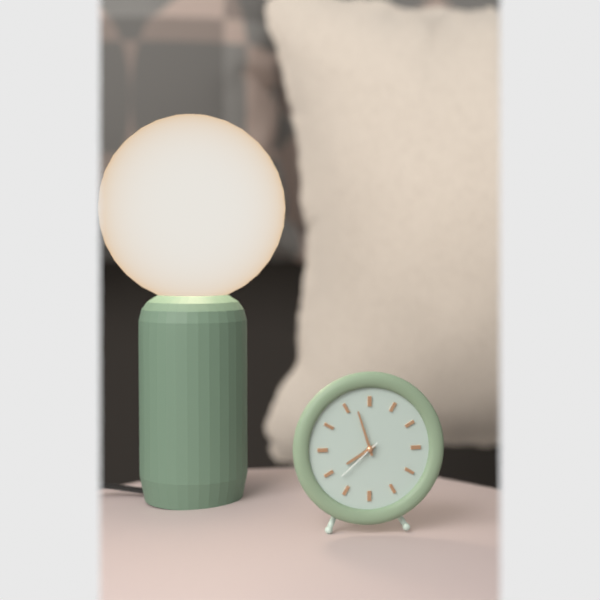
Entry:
7h57
